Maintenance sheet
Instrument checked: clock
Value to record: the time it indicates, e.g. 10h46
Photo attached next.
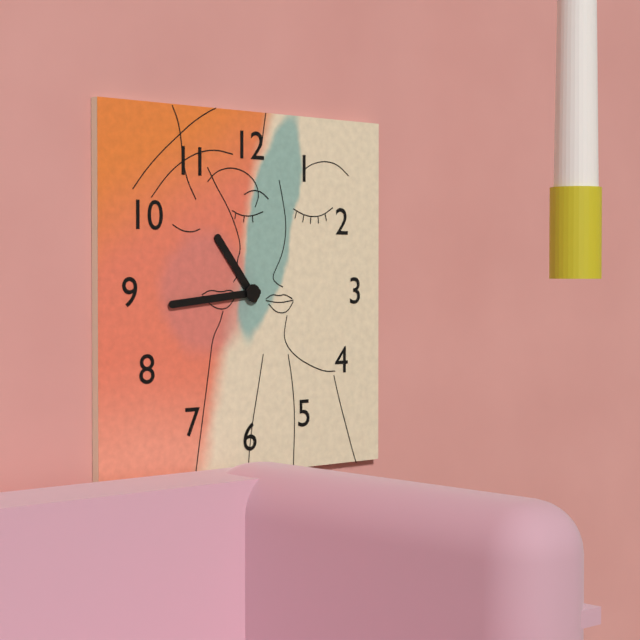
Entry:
10h44
